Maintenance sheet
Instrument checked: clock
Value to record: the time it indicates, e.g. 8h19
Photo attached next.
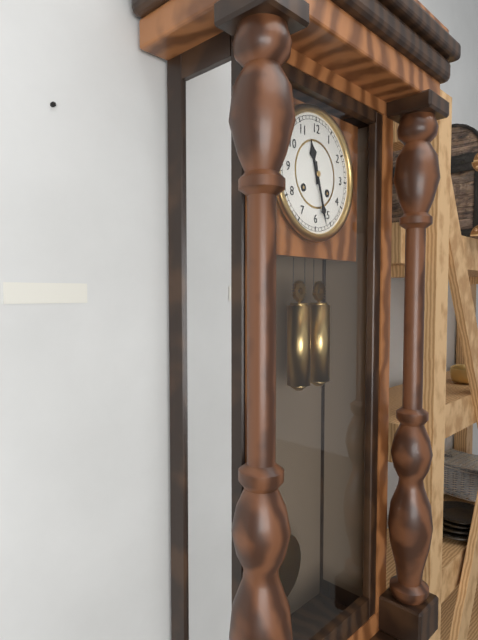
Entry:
11h27
